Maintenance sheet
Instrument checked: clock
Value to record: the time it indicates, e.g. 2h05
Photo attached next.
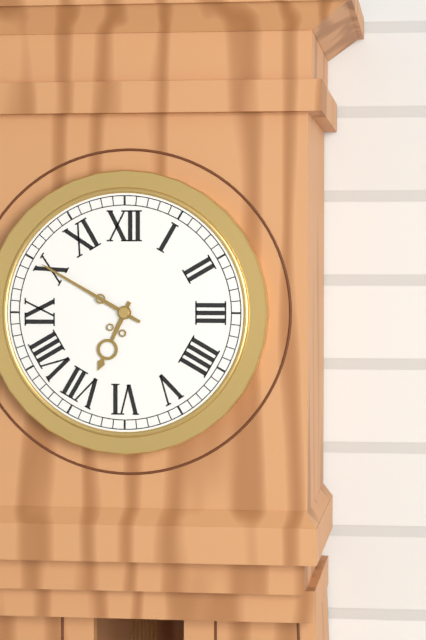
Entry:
6h50
